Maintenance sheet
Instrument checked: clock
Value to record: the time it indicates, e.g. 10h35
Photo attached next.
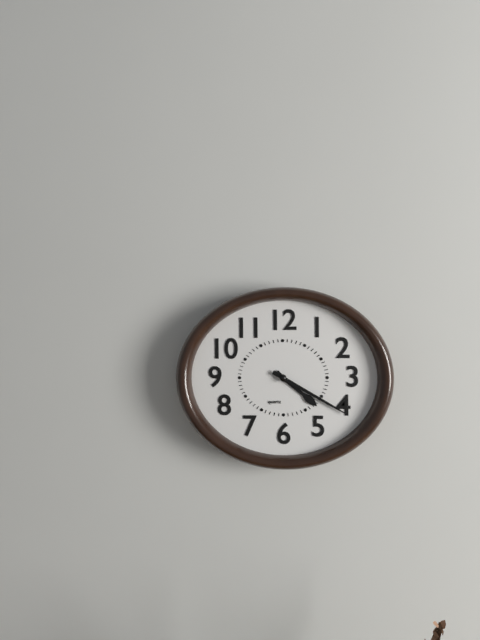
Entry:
4h20
